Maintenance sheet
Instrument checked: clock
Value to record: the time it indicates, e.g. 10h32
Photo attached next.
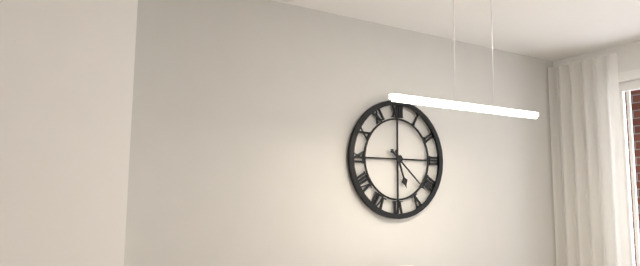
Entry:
5h22
